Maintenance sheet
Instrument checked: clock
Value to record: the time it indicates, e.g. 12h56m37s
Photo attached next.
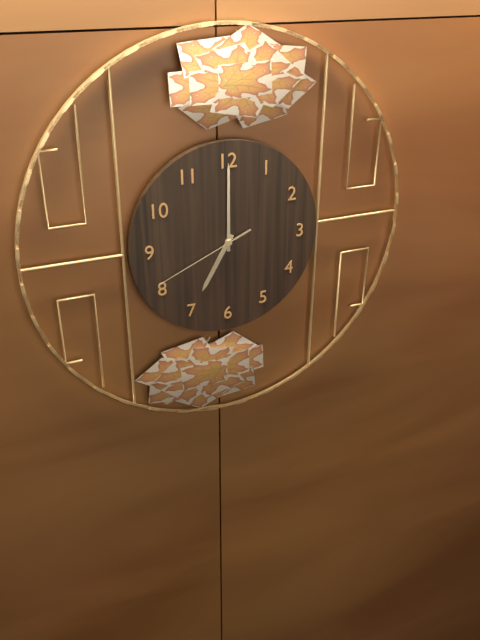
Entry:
7h00m41s
